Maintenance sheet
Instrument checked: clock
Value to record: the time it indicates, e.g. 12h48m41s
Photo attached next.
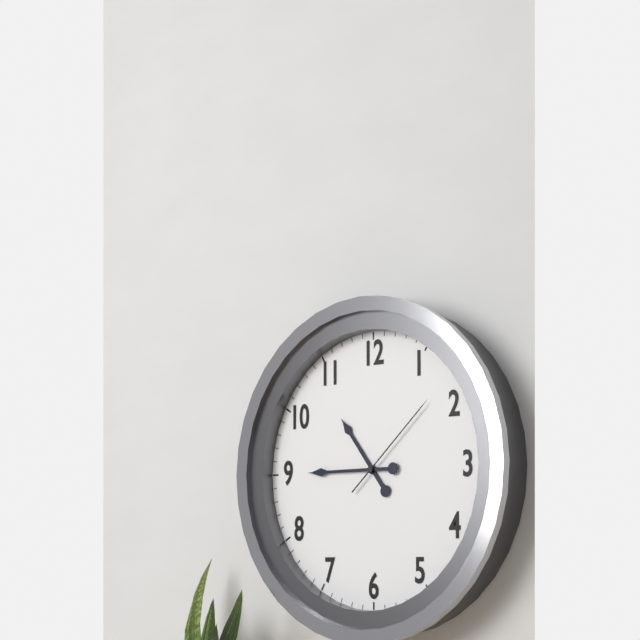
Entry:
10h45m08s
